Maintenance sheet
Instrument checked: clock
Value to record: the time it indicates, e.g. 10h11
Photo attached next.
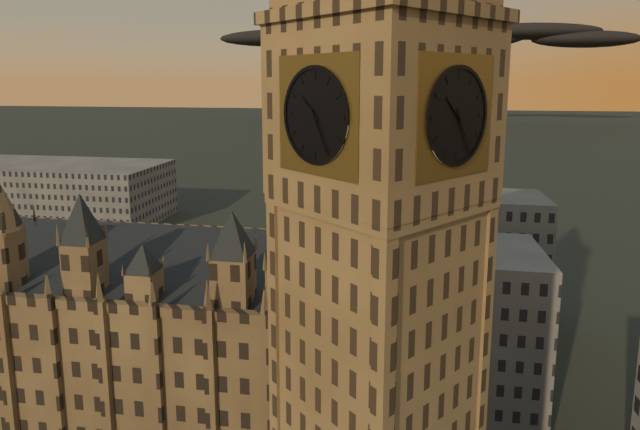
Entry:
10h25
